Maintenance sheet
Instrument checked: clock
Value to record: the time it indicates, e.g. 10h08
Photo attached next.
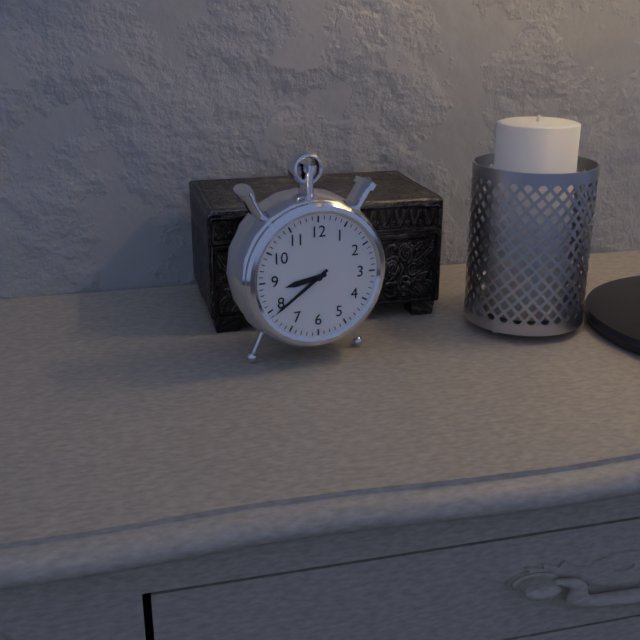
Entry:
8h39
